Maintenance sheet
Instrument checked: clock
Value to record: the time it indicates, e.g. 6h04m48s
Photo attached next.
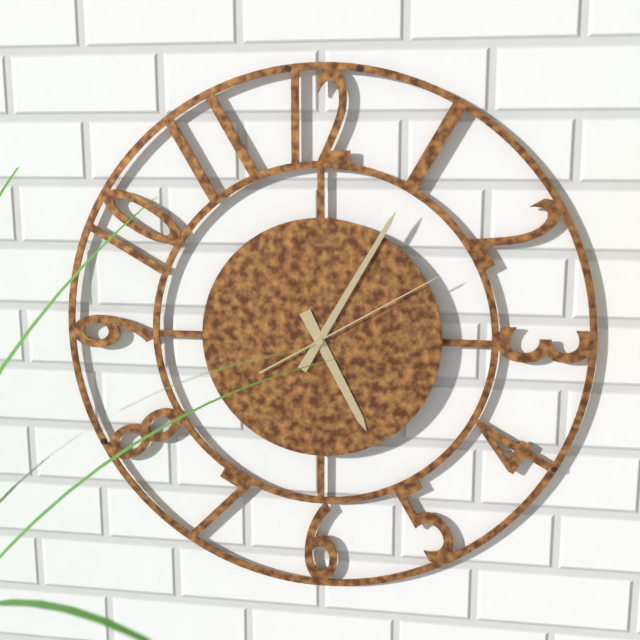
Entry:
5h05m10s
